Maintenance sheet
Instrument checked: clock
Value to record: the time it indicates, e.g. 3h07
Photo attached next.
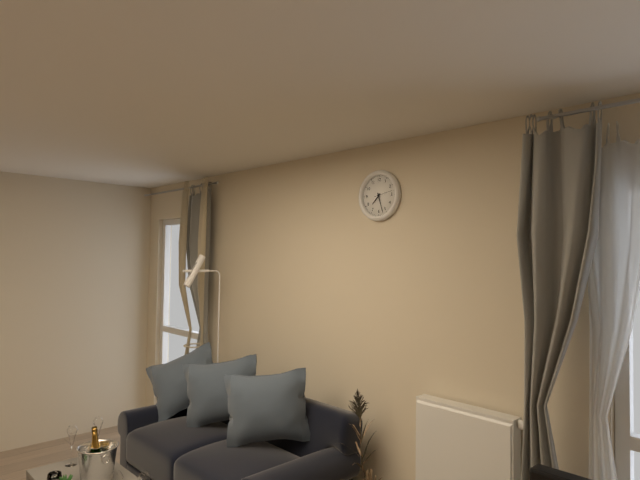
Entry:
7h27
